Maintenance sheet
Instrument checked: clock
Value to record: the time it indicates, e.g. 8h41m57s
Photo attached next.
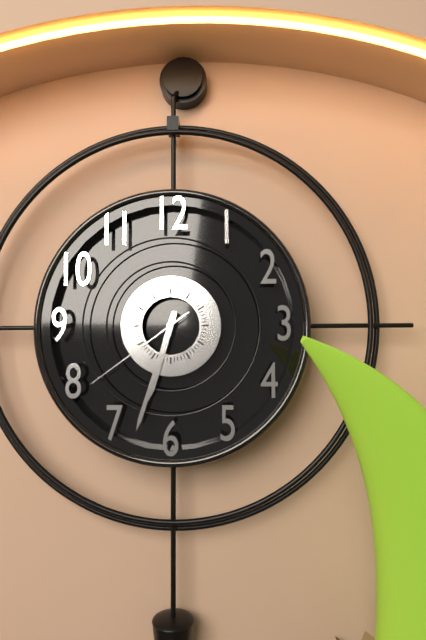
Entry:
6h33m39s
